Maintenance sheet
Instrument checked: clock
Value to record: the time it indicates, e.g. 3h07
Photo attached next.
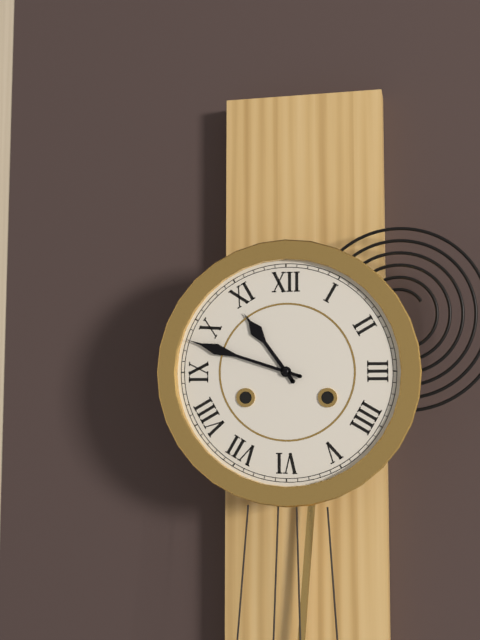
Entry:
10h48
